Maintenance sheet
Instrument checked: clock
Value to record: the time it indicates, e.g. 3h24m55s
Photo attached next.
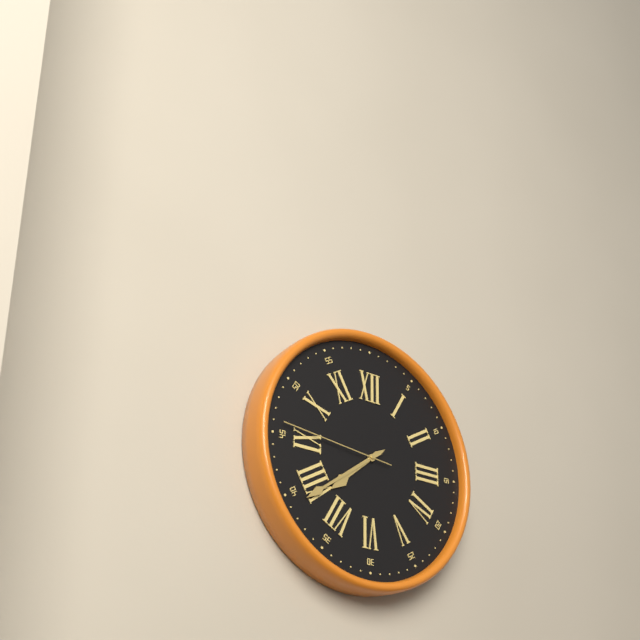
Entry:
7h39m46s
